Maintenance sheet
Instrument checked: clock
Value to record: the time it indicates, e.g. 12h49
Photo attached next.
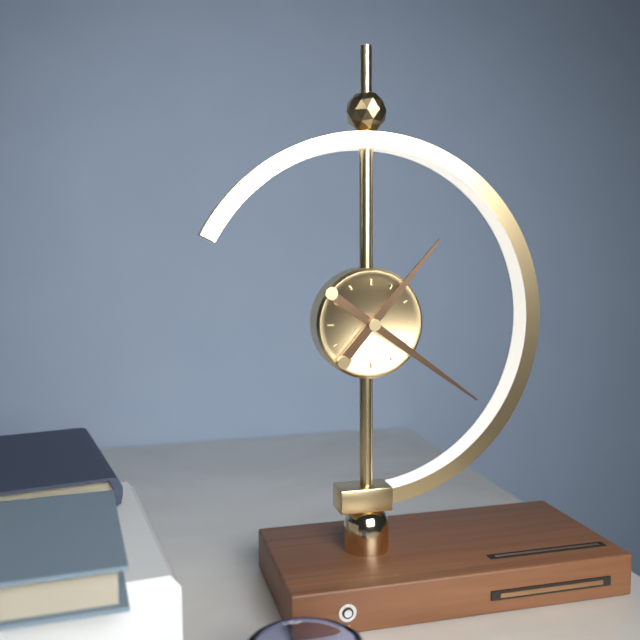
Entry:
1h21
